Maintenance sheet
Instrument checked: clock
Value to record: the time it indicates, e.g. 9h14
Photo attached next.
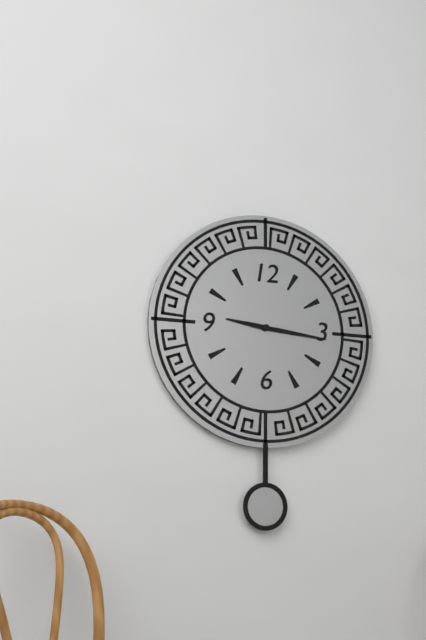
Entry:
9h16
